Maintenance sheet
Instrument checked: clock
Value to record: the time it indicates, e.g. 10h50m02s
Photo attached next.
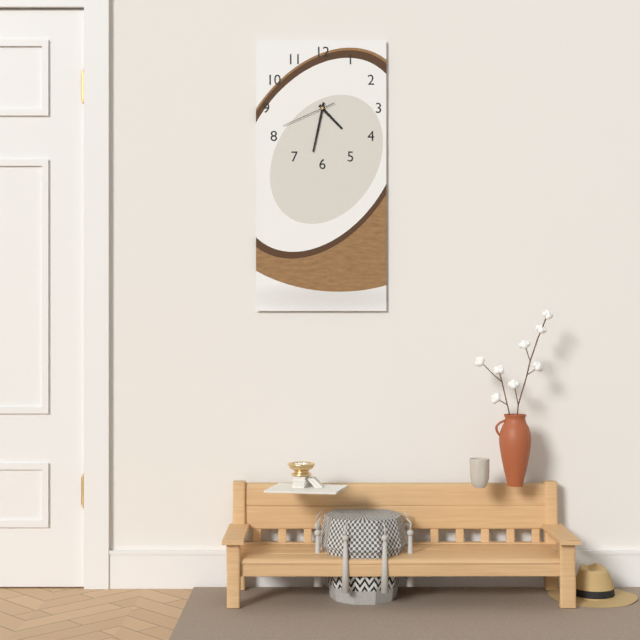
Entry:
4h32m41s
